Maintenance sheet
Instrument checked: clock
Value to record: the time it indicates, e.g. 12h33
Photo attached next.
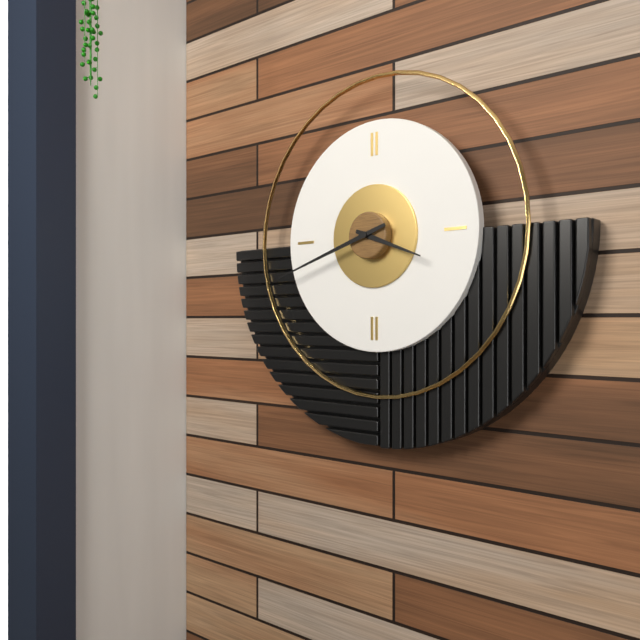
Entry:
3h42
